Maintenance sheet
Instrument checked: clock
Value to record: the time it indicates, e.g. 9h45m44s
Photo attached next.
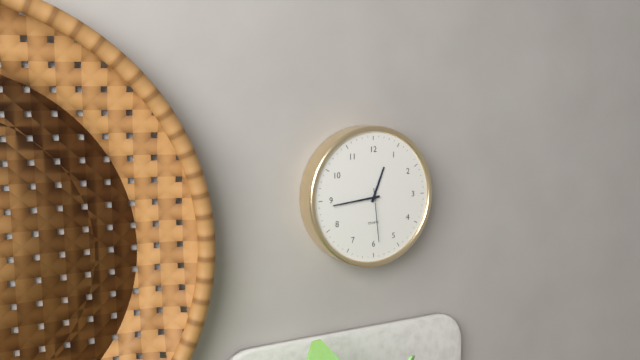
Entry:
12h44m29s
